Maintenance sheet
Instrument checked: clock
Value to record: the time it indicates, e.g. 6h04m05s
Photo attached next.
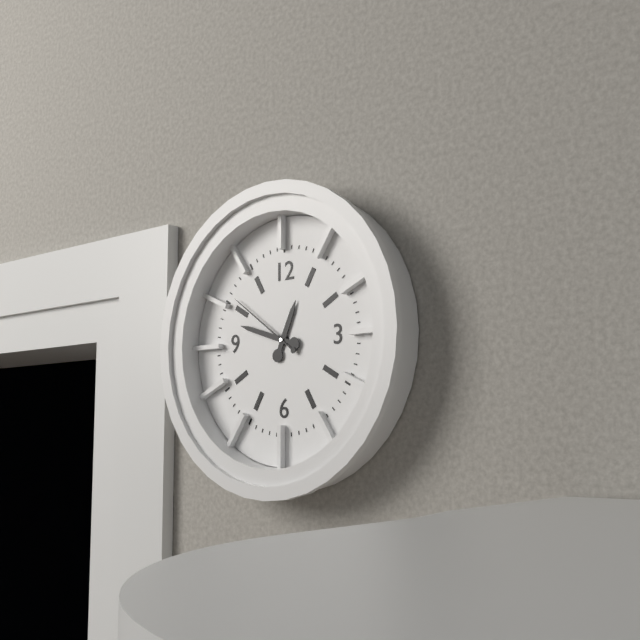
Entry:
12h48m51s
